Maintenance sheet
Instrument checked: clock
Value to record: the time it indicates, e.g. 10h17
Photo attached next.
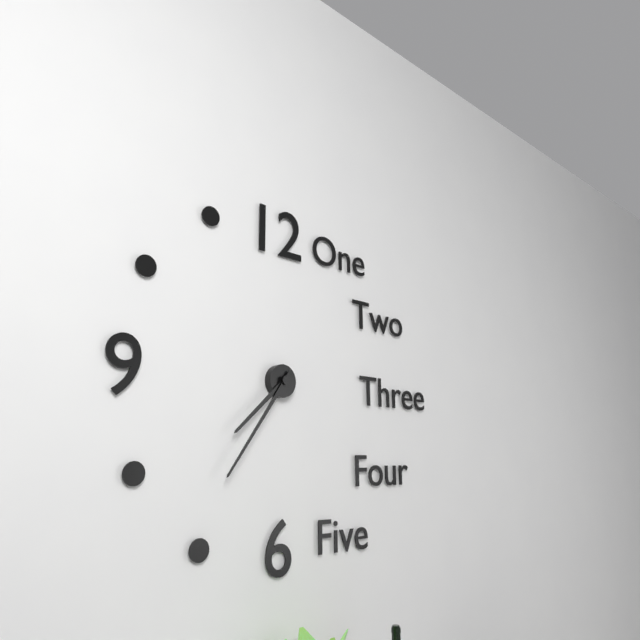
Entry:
7h36
